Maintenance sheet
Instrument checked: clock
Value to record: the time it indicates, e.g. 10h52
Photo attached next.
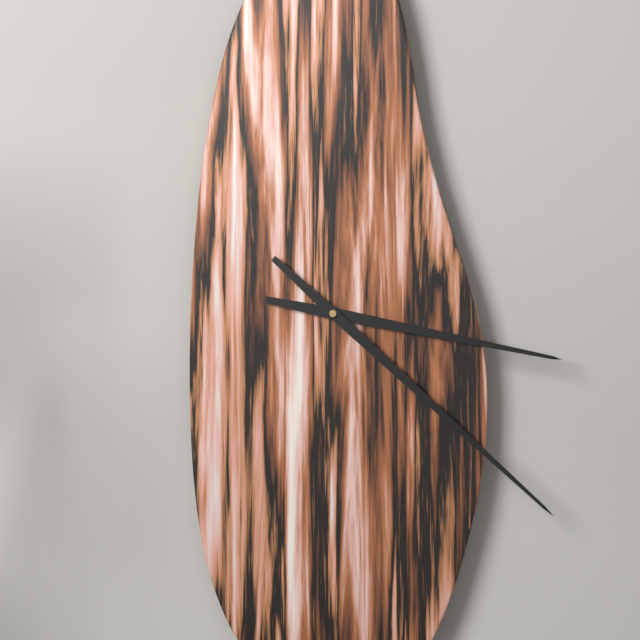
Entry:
3h22
